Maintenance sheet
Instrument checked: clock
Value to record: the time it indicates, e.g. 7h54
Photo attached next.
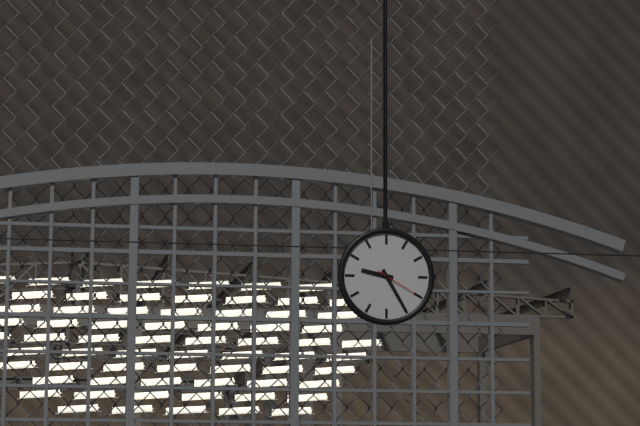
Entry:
9h25
